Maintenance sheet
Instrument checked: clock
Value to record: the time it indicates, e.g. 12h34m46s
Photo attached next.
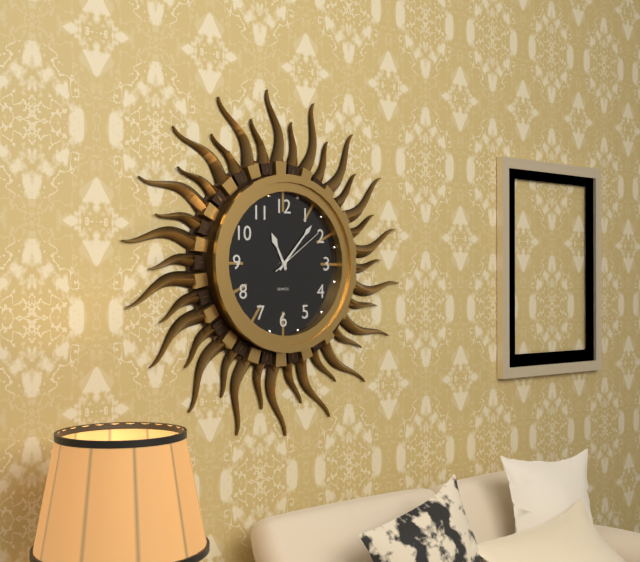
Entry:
11h07m09s
